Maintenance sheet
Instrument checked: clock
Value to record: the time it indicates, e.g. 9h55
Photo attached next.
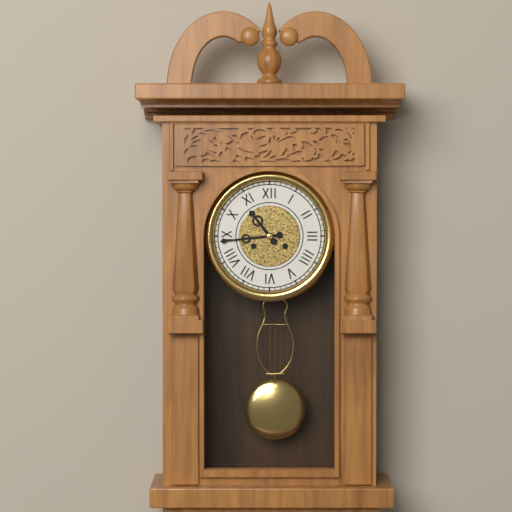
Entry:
10h44
